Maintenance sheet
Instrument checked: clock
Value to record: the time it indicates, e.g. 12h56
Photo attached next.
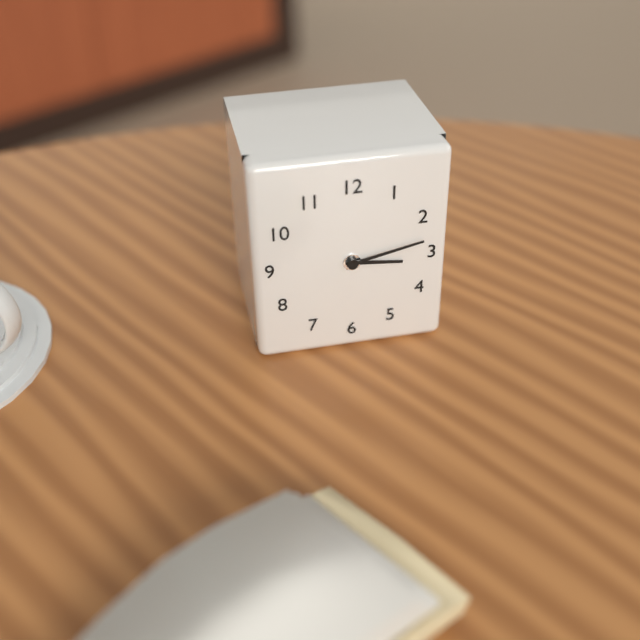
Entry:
3h13
